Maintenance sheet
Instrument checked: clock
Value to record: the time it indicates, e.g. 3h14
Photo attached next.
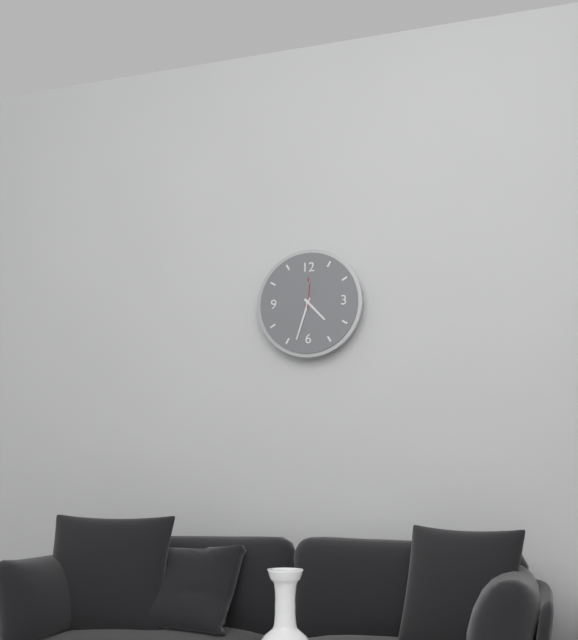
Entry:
4h33
